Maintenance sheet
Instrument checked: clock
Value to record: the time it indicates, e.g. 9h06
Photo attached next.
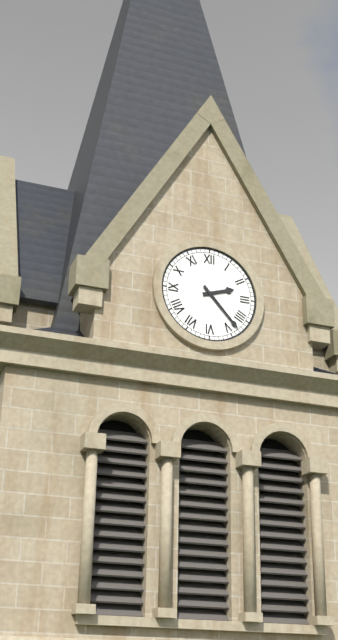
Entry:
2h23
